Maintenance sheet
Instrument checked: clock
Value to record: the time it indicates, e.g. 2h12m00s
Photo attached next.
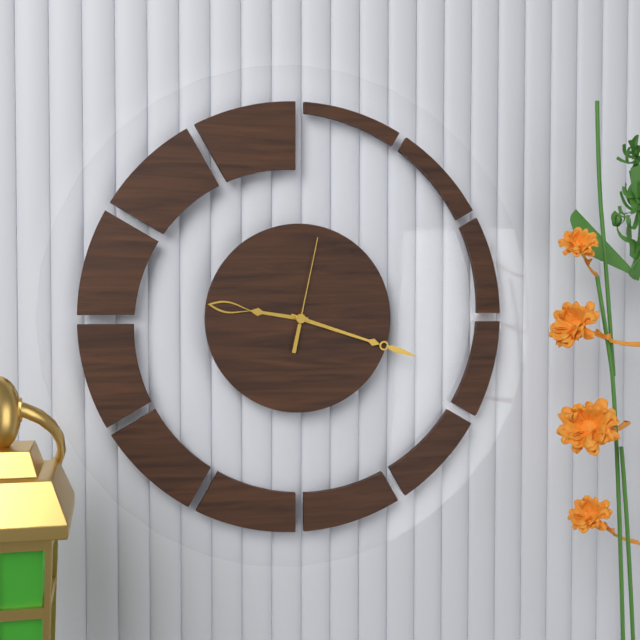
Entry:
9h18m02s
